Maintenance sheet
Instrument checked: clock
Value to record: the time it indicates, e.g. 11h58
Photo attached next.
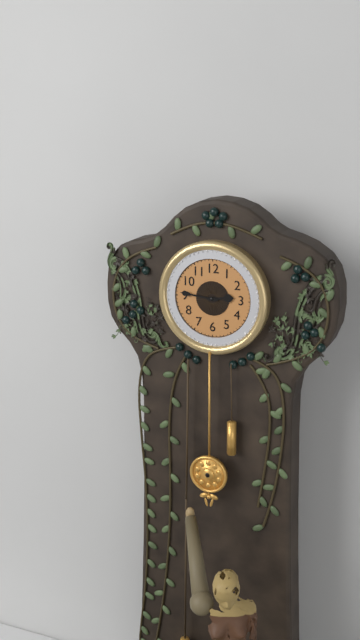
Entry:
2h46
